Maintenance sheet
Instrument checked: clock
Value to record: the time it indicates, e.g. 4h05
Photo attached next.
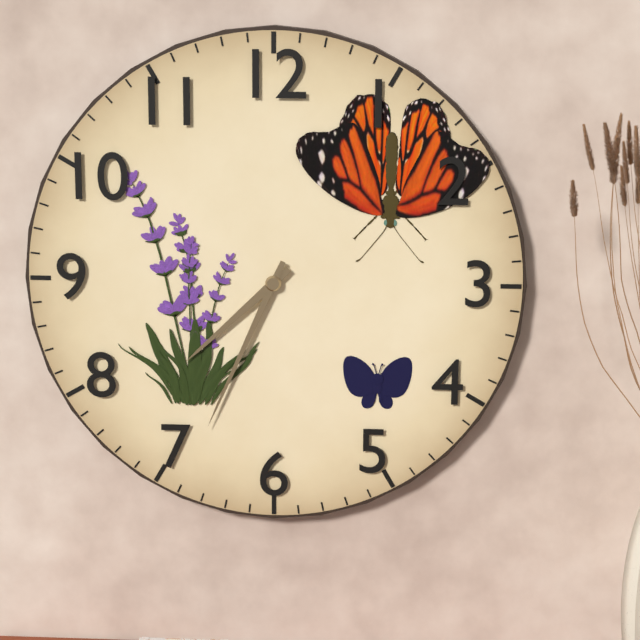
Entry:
7h34
